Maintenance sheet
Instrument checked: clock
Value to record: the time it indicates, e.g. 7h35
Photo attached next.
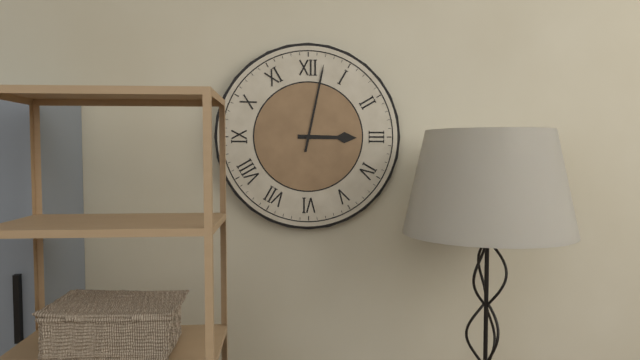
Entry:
3h02
